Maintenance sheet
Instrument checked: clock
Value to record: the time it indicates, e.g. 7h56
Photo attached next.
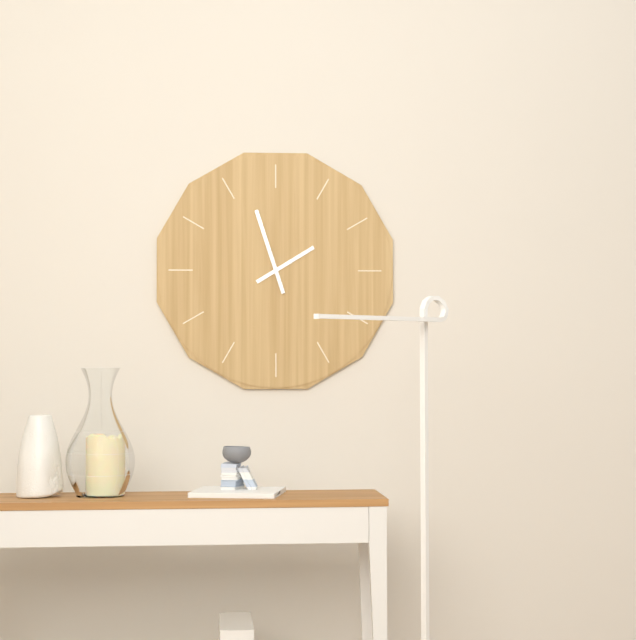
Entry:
1h57
